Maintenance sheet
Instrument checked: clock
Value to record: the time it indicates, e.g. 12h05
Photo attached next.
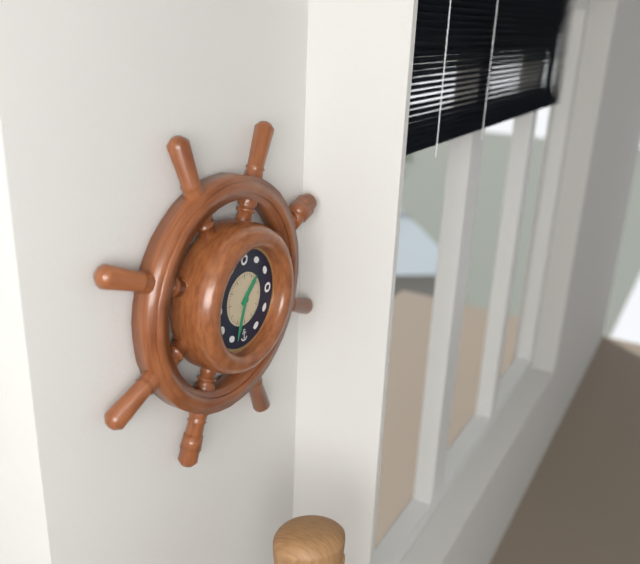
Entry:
1h33
